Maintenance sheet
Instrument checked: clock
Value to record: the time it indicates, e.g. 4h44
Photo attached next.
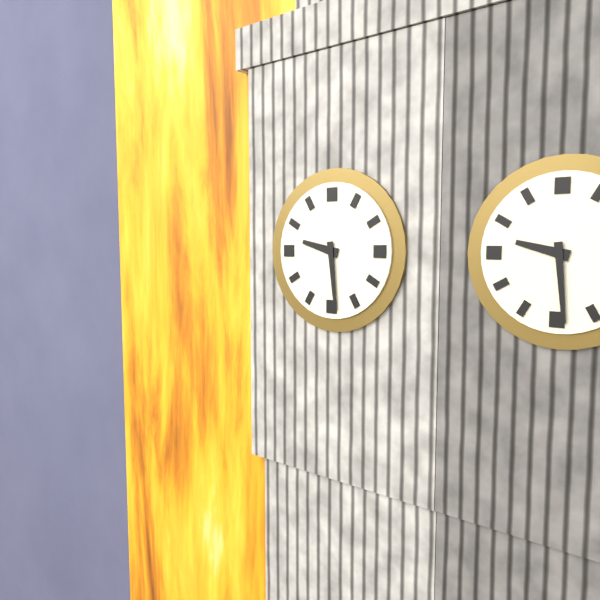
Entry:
9h29
